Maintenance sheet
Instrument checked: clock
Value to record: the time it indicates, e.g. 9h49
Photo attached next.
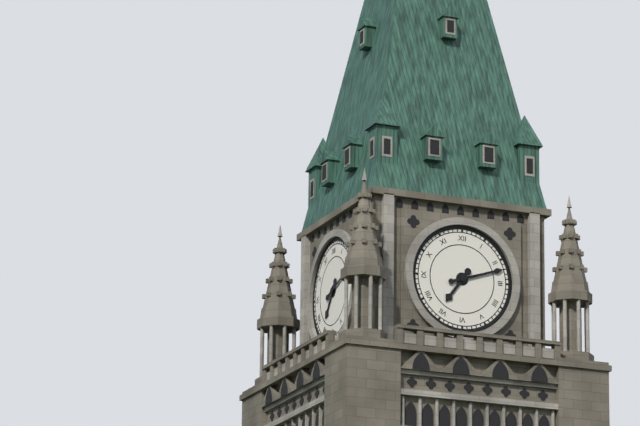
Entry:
7h12
